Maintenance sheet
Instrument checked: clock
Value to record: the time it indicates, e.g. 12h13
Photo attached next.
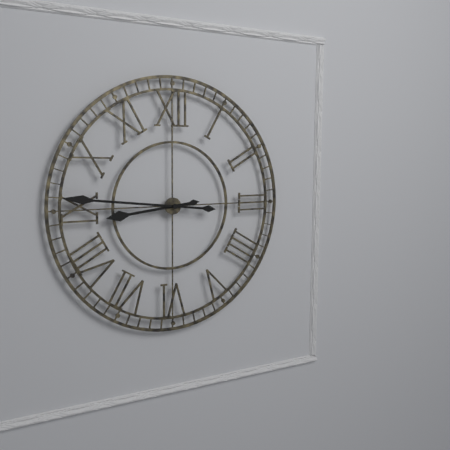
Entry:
8h46
